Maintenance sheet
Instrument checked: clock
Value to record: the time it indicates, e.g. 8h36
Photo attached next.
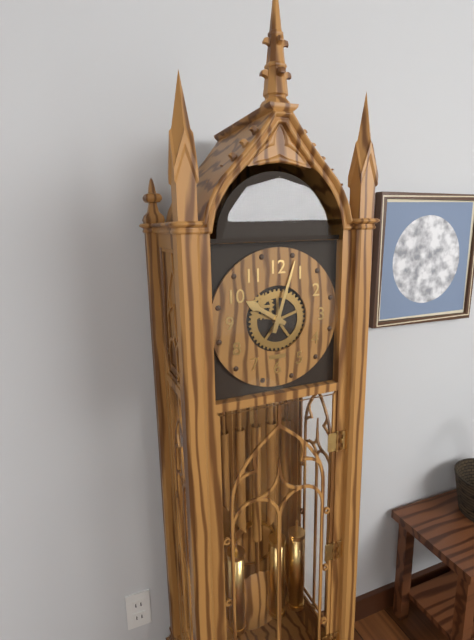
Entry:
10h03
